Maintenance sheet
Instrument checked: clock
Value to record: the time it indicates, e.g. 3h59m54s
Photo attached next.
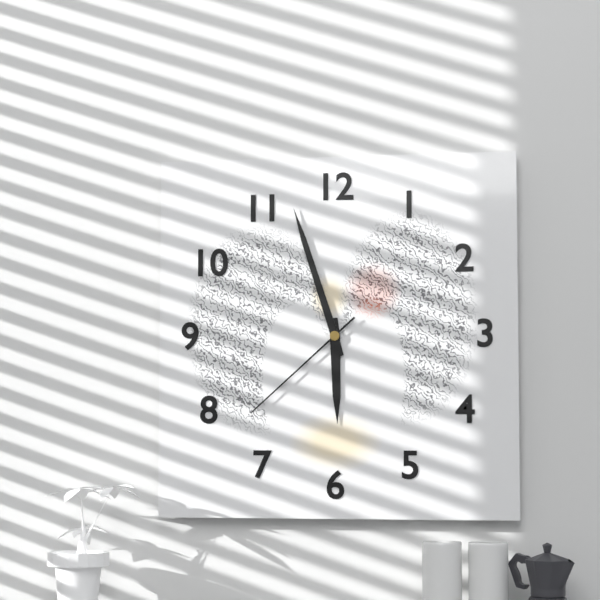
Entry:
5h57m38s
